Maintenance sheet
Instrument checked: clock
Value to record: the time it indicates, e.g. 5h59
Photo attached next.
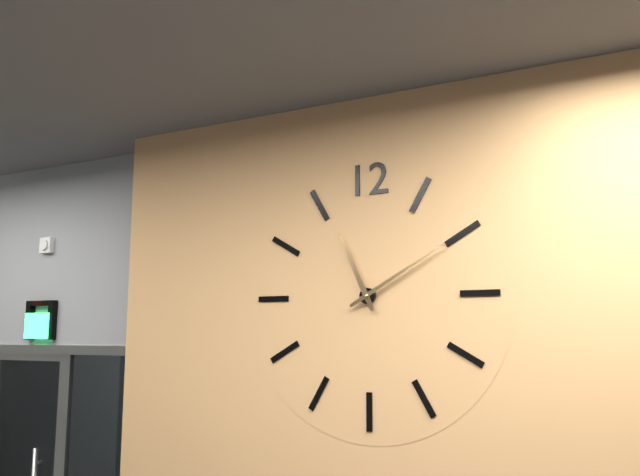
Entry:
11h10
